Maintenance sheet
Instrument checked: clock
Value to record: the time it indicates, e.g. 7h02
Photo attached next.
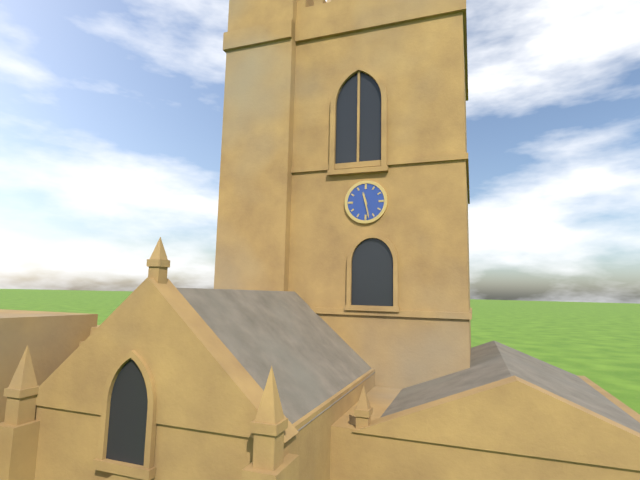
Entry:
11h28
